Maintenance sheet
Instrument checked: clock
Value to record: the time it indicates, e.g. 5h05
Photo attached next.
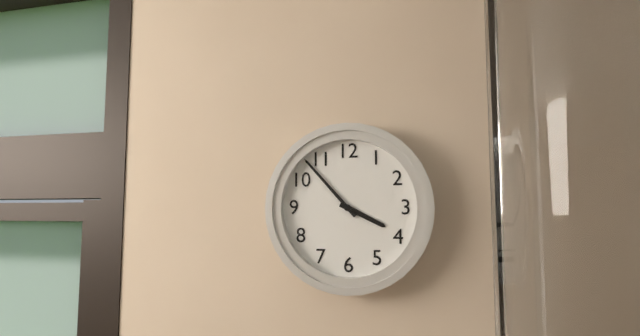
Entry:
3h53
